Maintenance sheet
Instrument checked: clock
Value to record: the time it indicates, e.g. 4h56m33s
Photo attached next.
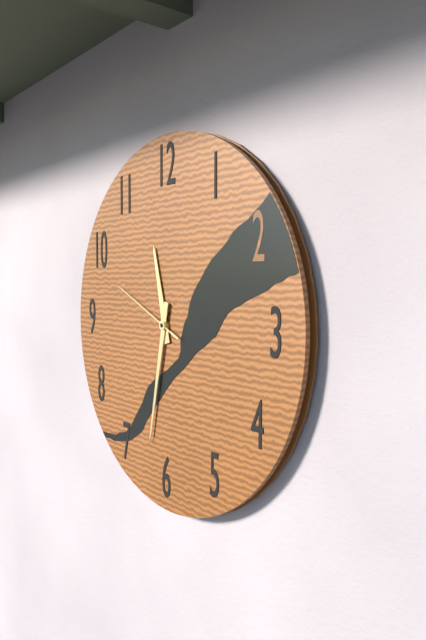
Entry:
11h32m49s
